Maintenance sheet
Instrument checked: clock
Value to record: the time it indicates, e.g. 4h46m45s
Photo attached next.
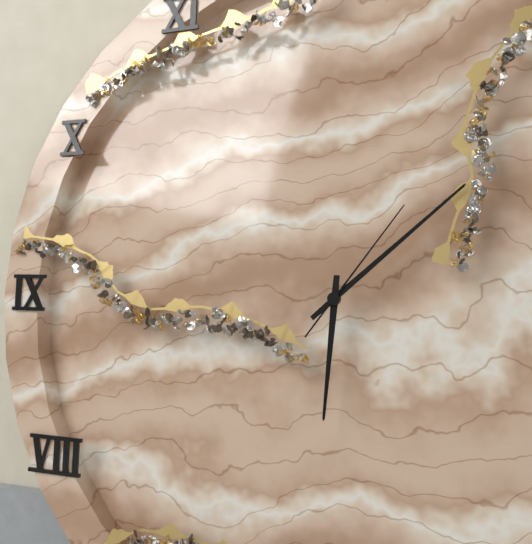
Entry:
6h08m06s
